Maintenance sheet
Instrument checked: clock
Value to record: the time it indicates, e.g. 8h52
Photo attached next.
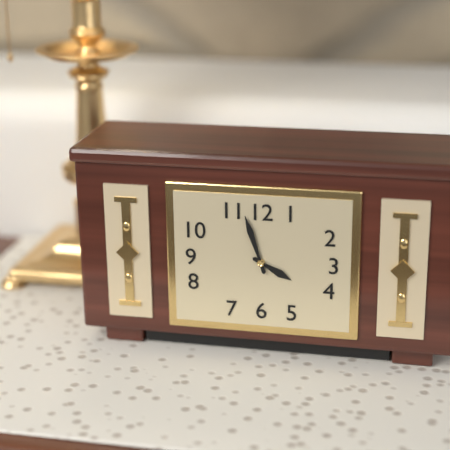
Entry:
3h57
